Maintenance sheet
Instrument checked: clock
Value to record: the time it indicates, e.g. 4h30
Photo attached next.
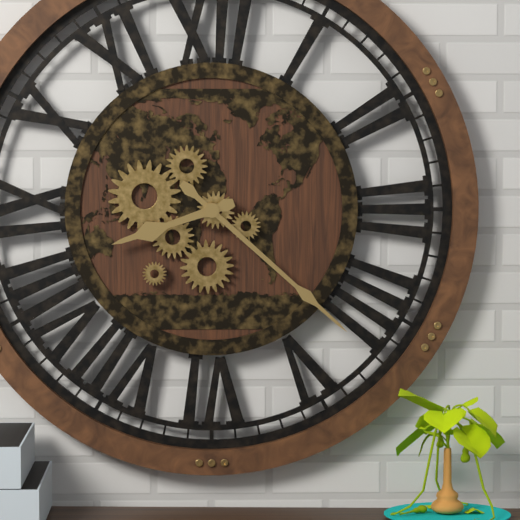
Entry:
8h22
